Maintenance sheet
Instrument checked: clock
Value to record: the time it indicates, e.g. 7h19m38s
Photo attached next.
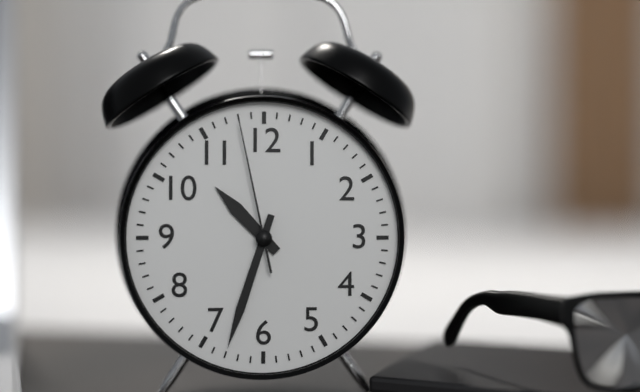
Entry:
10h33m58s
